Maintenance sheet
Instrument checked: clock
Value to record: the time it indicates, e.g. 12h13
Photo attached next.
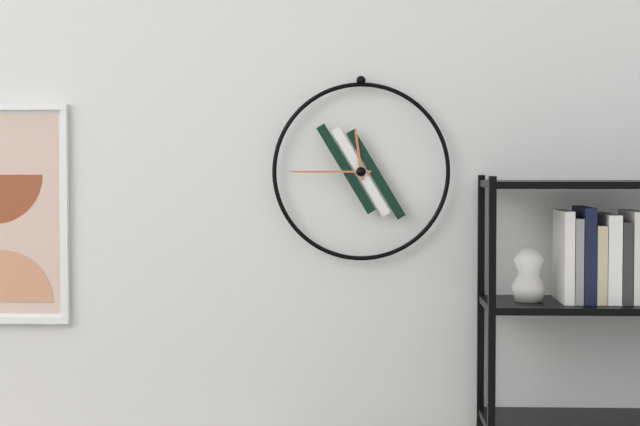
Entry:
11h45
